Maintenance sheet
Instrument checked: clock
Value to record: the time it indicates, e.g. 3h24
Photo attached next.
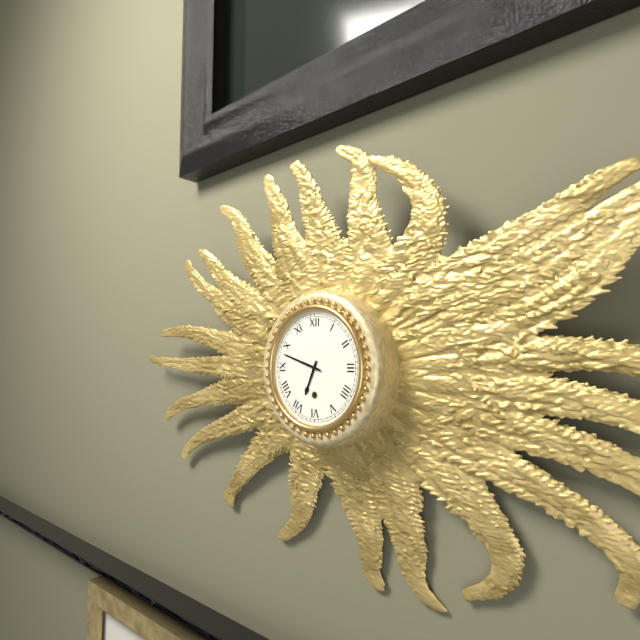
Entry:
6h48
